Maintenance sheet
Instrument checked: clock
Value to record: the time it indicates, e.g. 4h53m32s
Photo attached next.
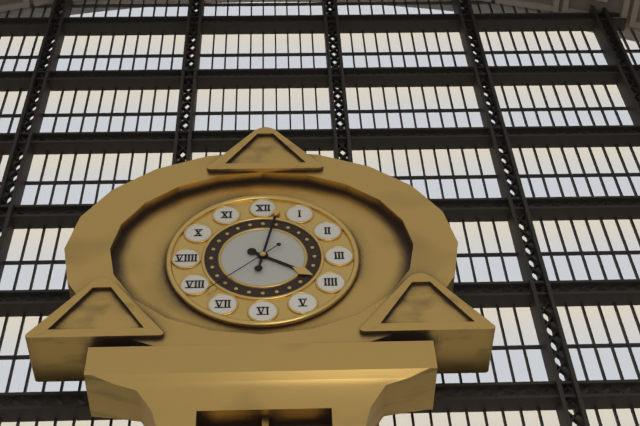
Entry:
4h02m38s
